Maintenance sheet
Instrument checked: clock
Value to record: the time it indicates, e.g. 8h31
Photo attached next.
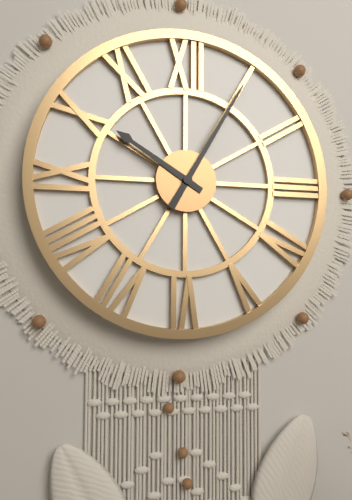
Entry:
10h05
